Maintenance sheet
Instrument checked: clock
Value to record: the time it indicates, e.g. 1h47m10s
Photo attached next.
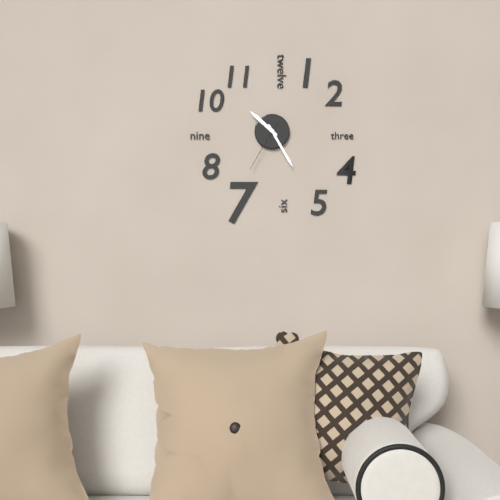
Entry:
10h25m35s
